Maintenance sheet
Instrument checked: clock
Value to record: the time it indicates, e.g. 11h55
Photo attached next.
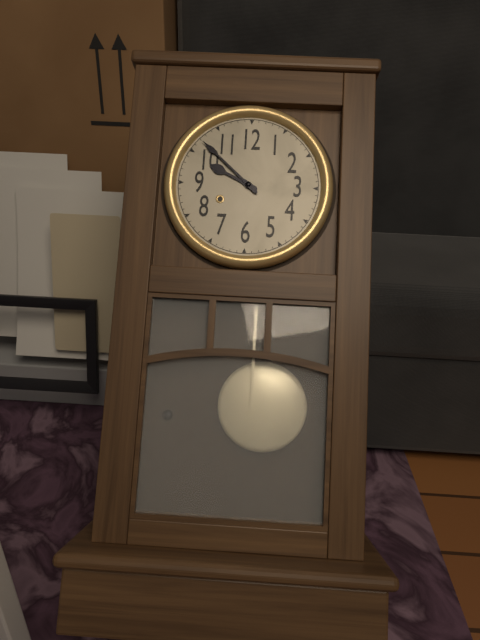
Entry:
9h52
